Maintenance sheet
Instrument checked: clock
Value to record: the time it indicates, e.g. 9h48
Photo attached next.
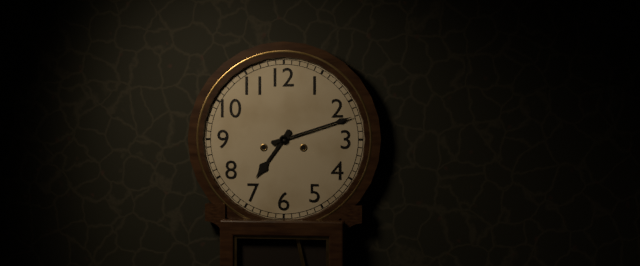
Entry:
7h12
